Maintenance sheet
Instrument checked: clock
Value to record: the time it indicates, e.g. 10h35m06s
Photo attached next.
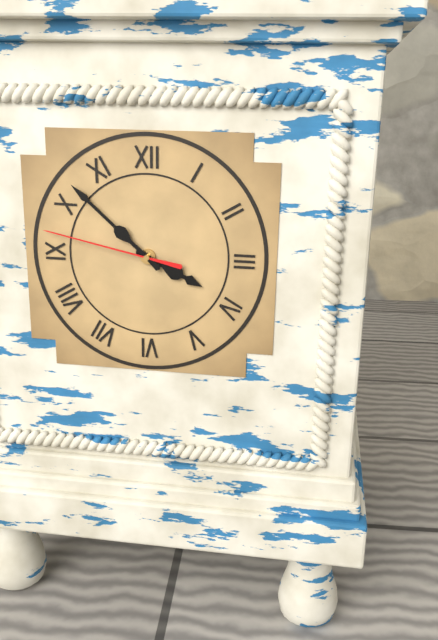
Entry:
3h52m47s
